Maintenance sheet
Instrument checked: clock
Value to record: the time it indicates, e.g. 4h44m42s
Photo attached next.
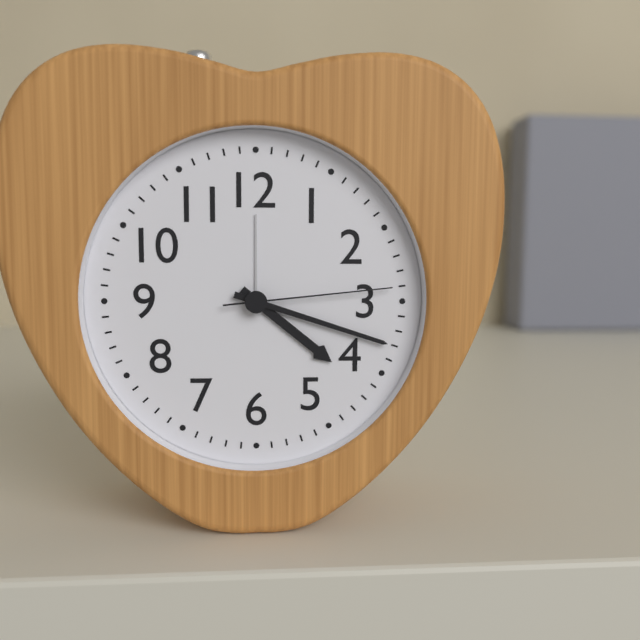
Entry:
4h18m14s
